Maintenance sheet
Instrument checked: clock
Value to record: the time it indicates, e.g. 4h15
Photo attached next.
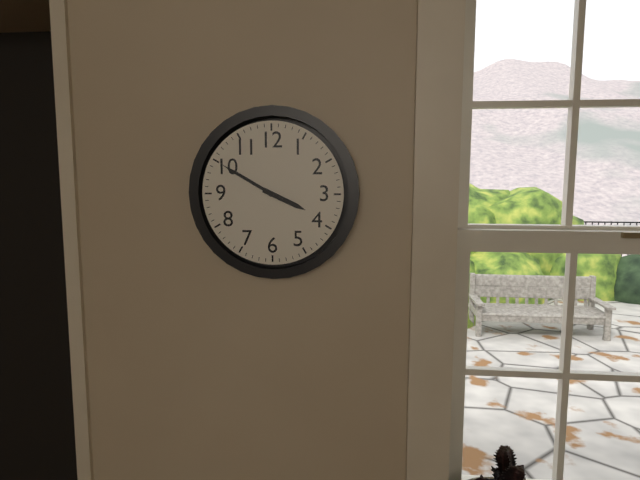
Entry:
3h50
